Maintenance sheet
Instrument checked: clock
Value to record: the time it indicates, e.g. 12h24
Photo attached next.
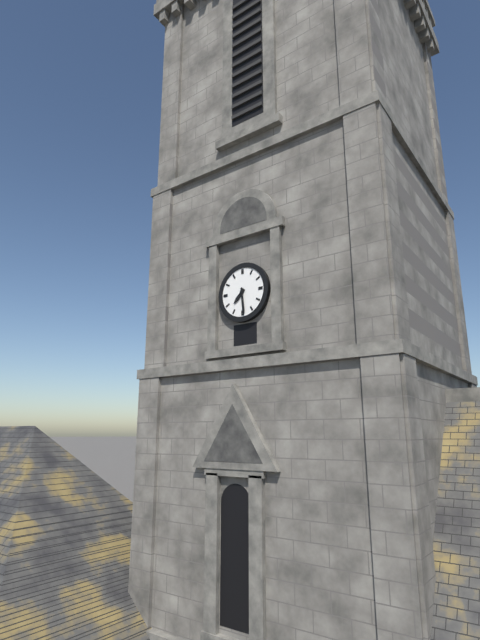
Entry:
7h29
